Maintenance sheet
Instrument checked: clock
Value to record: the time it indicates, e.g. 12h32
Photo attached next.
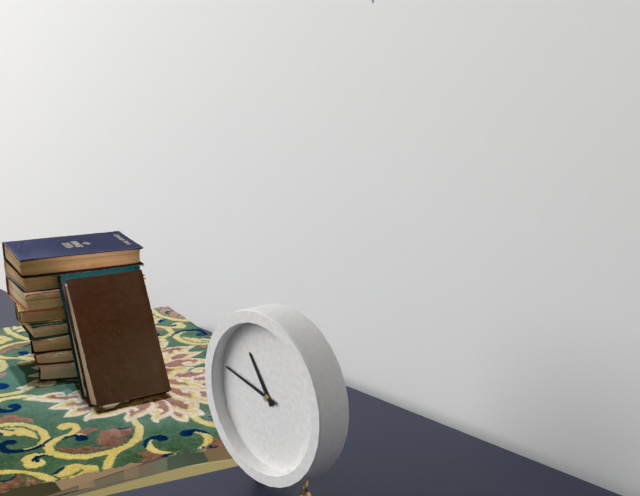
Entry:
10h47
